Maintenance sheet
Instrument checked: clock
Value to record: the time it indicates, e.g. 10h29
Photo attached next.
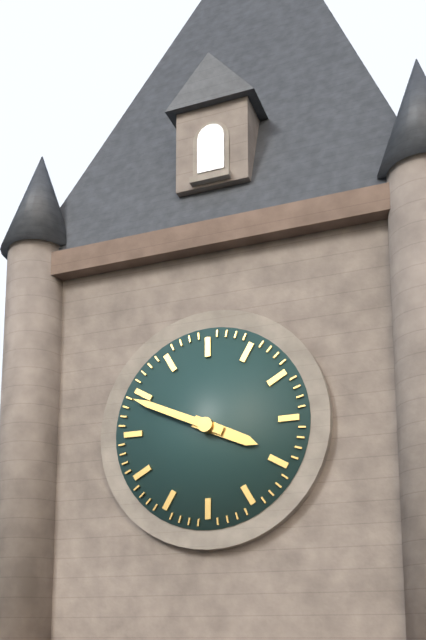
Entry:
3h49
